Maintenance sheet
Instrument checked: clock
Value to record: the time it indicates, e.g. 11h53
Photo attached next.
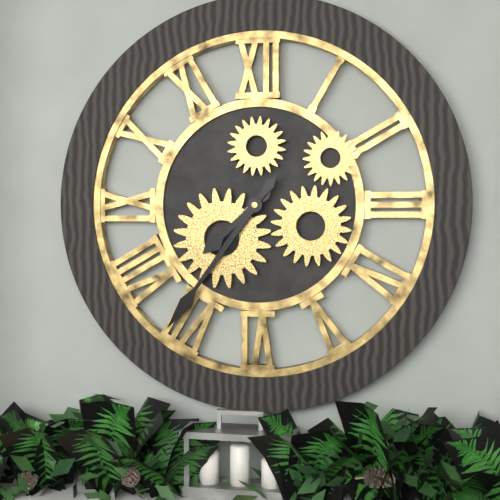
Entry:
7h36
